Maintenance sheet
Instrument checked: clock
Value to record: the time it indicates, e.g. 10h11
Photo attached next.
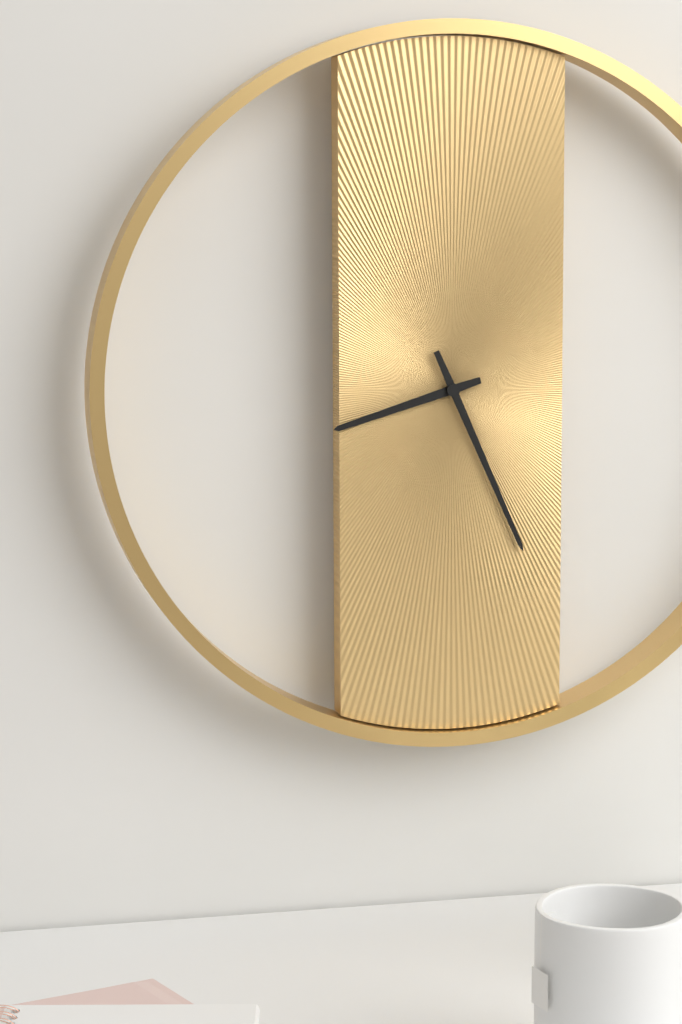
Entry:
8h26
